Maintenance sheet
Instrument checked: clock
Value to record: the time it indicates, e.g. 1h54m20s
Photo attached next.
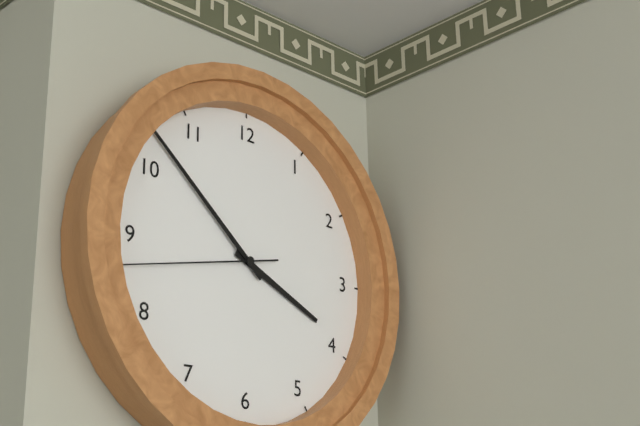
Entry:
3h52m43s
